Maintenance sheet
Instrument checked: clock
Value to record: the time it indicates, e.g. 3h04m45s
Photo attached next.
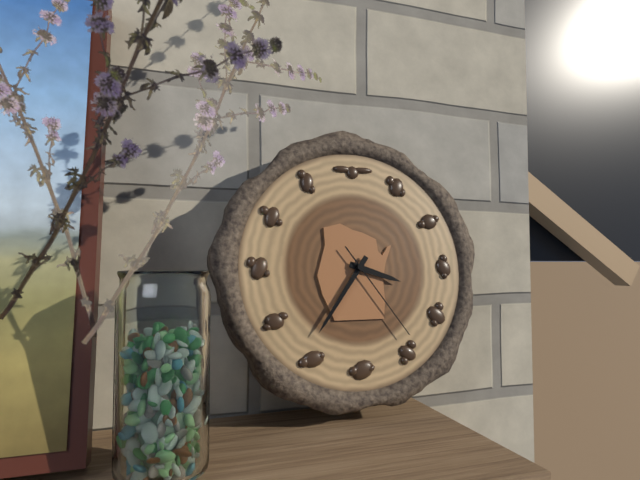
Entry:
3h36m24s
